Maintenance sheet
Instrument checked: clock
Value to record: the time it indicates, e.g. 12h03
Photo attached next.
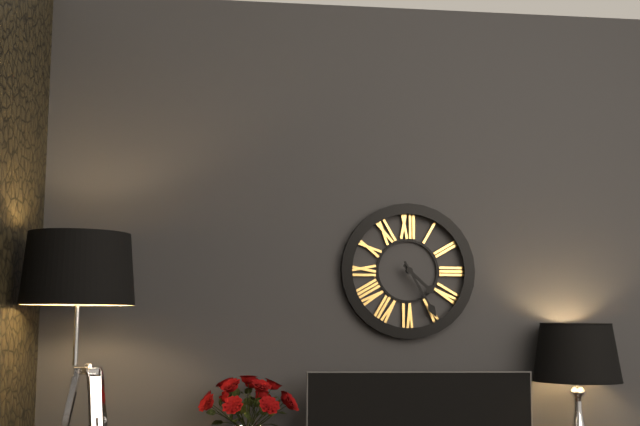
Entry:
4h25
